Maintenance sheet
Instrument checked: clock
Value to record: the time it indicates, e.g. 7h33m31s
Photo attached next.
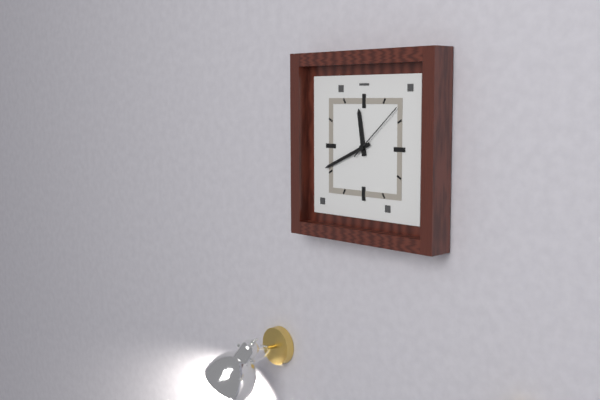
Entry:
11h41m08s
